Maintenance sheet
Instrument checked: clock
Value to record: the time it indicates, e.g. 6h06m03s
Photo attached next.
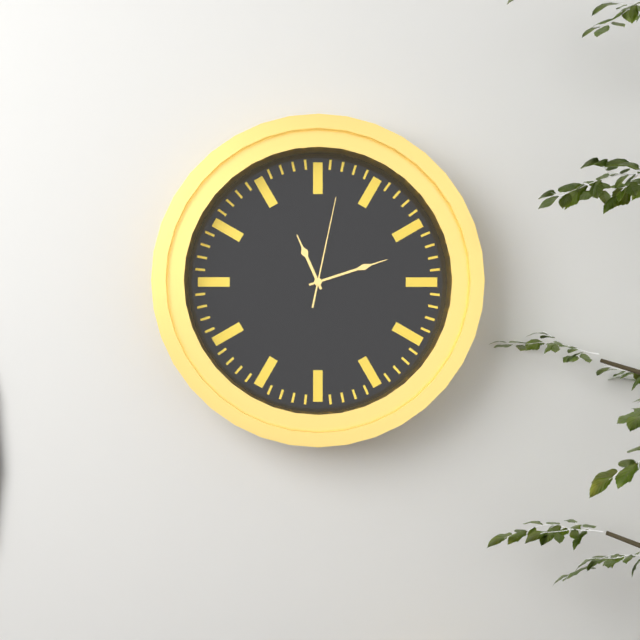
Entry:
11h12m02s
